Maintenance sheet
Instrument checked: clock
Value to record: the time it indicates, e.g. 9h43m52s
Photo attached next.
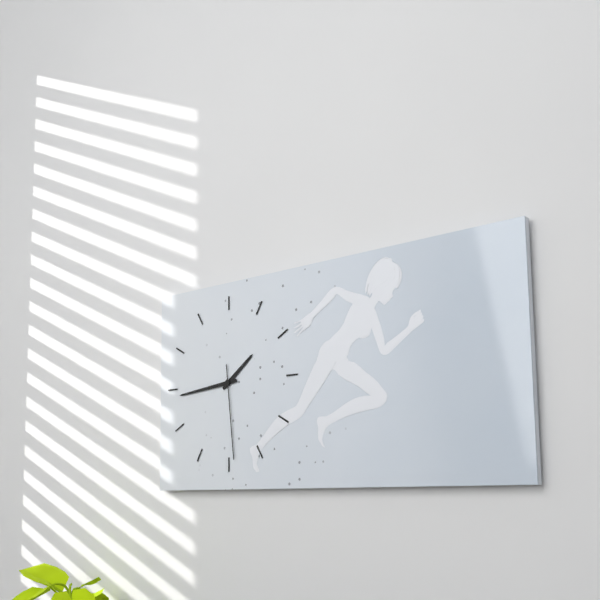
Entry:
1h44m29s
